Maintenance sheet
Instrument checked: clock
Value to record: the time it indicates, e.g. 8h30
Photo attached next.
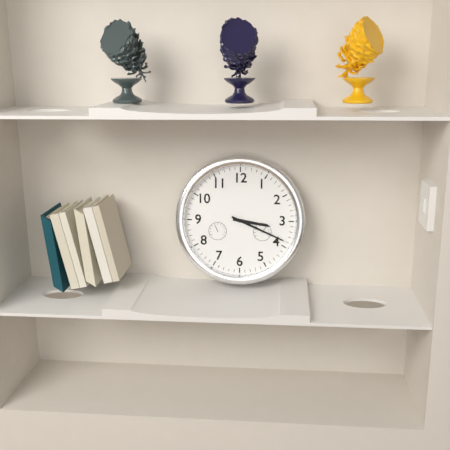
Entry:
3h19
